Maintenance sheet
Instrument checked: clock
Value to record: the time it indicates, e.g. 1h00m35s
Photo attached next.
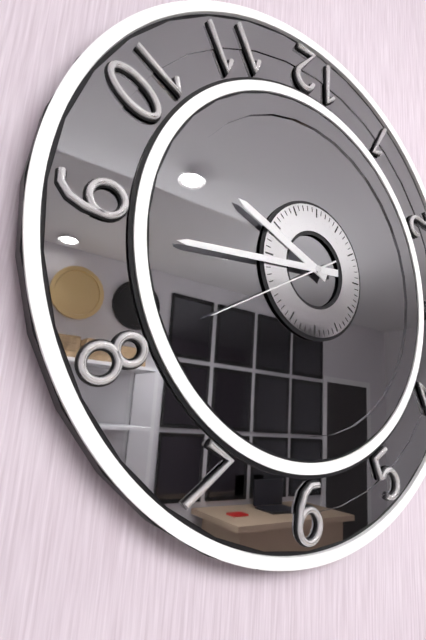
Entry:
9h44m40s
